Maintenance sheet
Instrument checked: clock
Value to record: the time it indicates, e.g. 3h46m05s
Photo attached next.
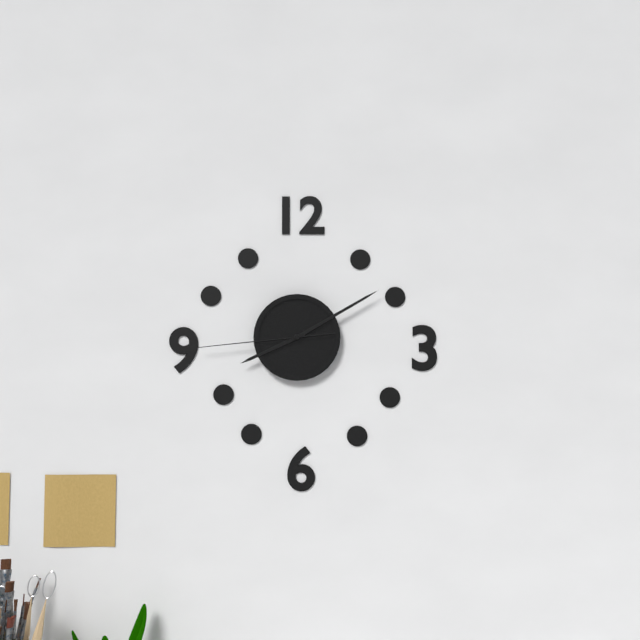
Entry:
8h10m44s
